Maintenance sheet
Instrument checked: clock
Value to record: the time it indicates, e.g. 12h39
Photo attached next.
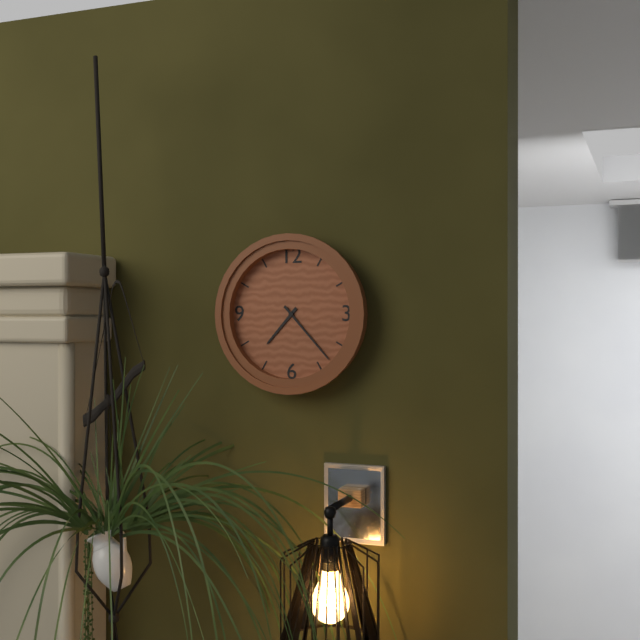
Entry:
7h23
